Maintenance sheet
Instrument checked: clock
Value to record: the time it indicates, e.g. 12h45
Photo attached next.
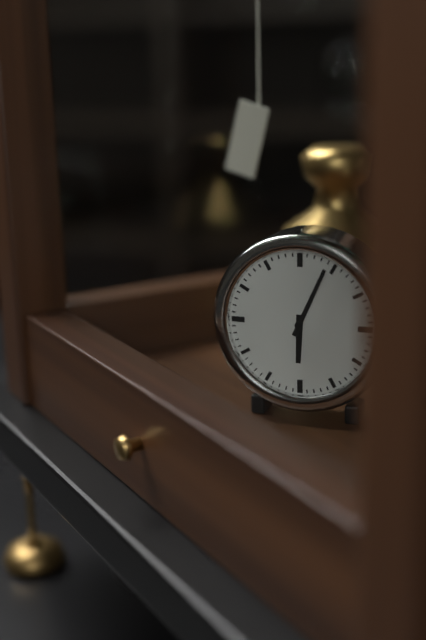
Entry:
6h04
